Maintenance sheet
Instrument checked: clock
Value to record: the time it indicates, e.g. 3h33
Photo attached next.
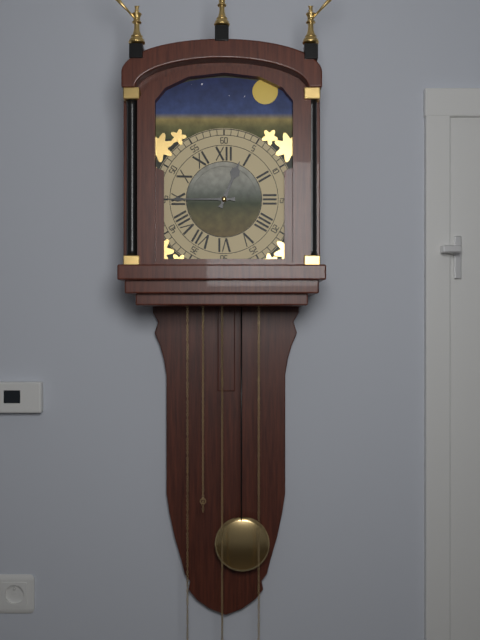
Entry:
12h45
